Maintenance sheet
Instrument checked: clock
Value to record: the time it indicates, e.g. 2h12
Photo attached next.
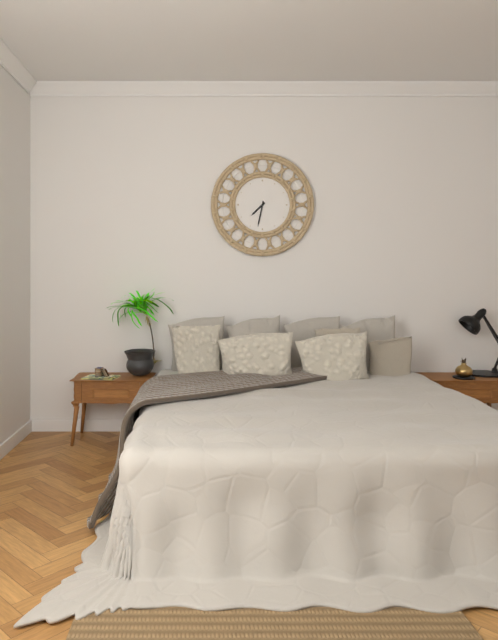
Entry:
7h32
